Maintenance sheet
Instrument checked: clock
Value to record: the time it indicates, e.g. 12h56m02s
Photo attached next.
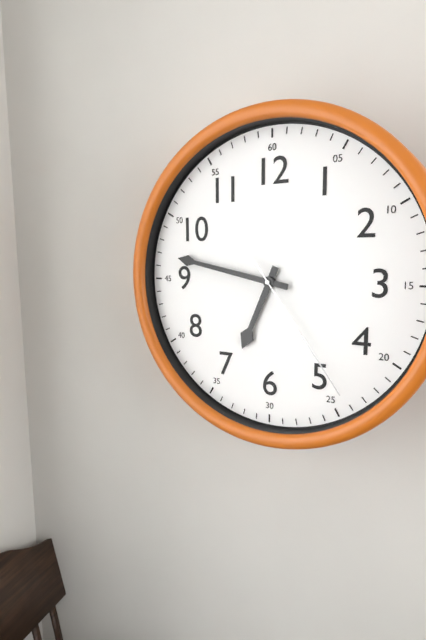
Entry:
6h47m24s
